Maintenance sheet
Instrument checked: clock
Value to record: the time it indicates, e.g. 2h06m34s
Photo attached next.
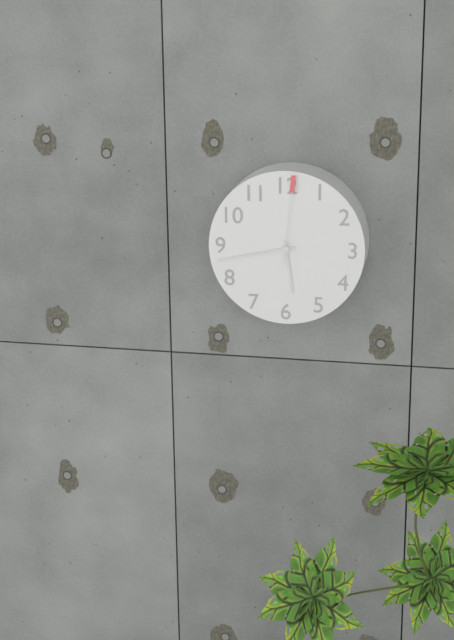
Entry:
5h43m01s
